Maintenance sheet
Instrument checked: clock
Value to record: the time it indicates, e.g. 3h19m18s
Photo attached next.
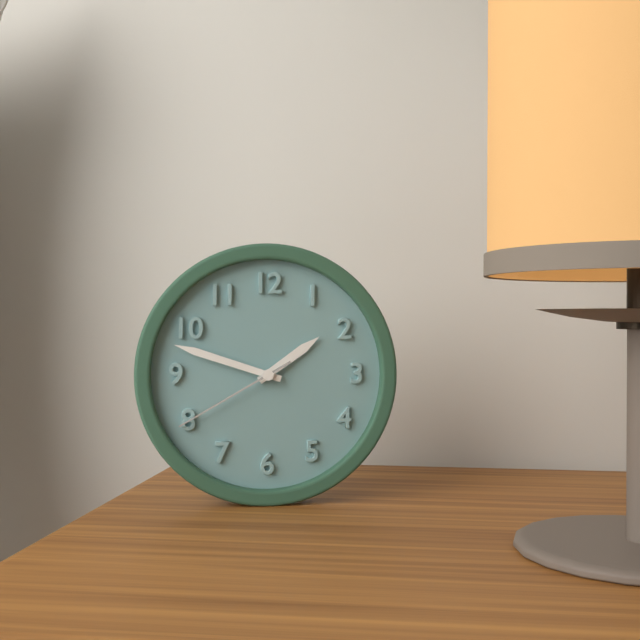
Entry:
1h48m40s
